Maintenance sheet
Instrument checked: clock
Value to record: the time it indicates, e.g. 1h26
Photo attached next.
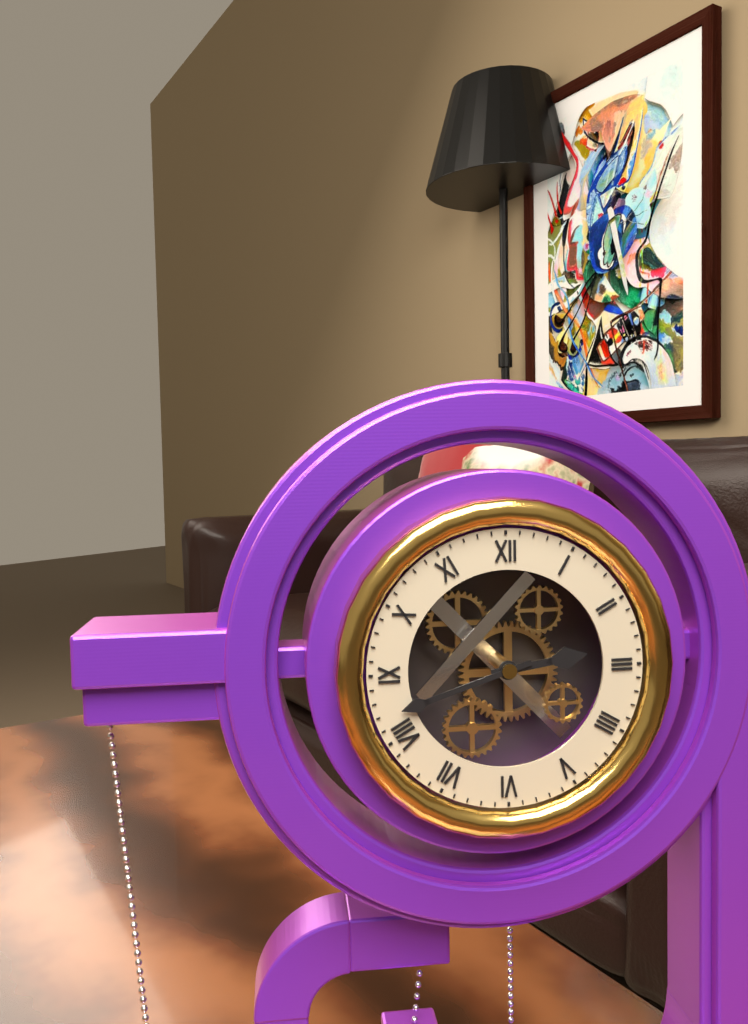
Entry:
2h42
